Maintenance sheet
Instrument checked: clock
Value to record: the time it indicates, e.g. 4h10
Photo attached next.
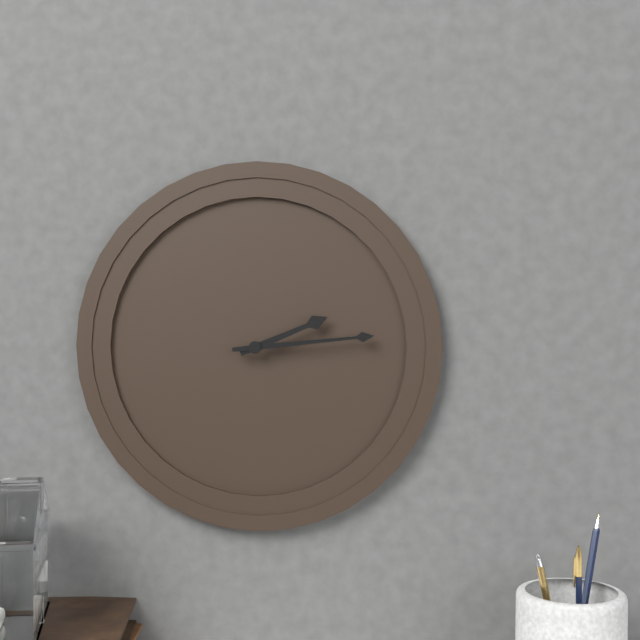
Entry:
2h14
